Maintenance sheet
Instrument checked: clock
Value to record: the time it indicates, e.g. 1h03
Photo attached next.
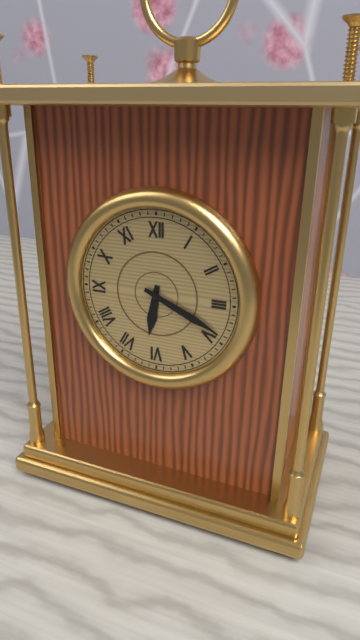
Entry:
6h19
